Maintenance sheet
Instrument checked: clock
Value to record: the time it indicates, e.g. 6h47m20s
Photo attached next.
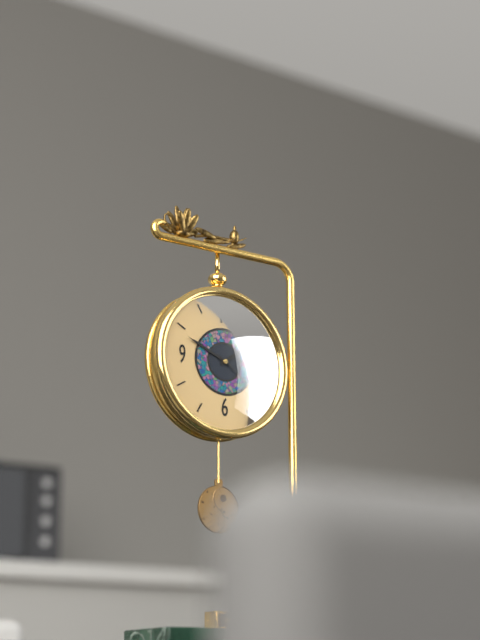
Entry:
1h49m21s
